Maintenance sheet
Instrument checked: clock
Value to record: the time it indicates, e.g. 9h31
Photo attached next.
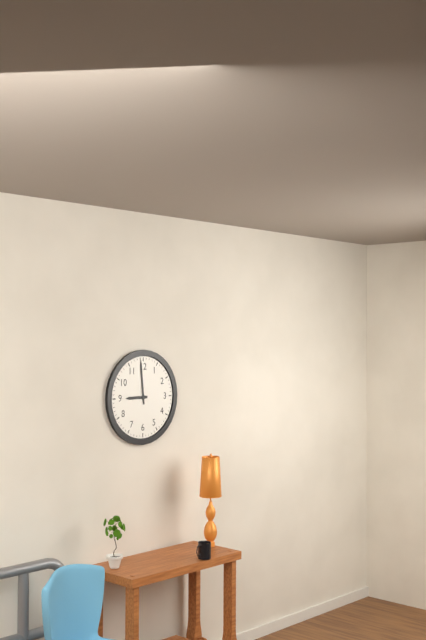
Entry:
8h59
